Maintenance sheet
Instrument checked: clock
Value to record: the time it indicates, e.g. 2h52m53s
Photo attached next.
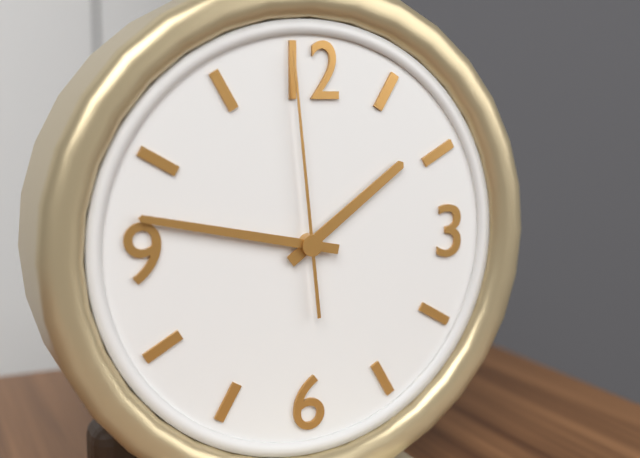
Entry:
1h47m59s
